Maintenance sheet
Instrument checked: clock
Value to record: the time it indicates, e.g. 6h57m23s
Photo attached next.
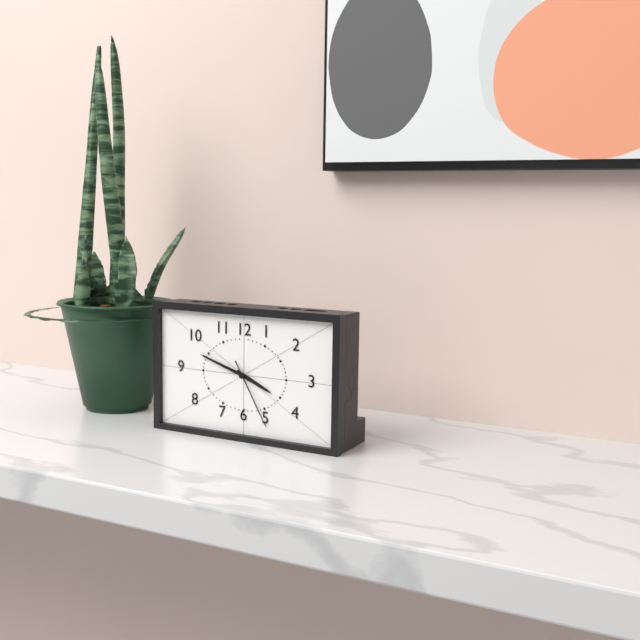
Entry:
3h48m25s
